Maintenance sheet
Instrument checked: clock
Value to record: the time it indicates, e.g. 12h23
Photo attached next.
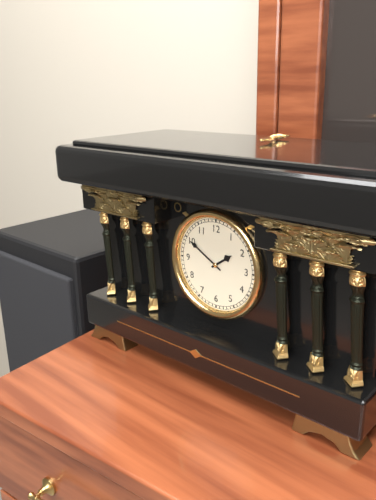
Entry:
1h50
